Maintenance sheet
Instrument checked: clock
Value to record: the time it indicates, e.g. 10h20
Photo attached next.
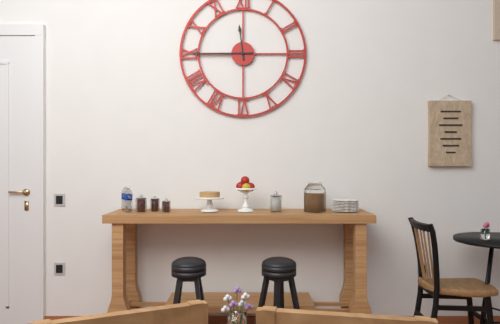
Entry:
11h45
